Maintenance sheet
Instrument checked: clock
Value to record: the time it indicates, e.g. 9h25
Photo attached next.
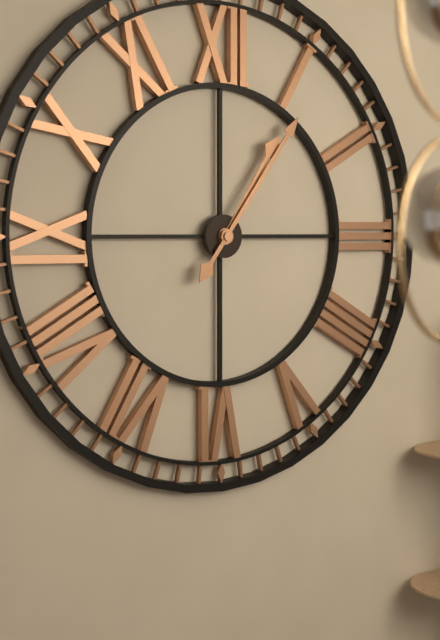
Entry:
1h06
